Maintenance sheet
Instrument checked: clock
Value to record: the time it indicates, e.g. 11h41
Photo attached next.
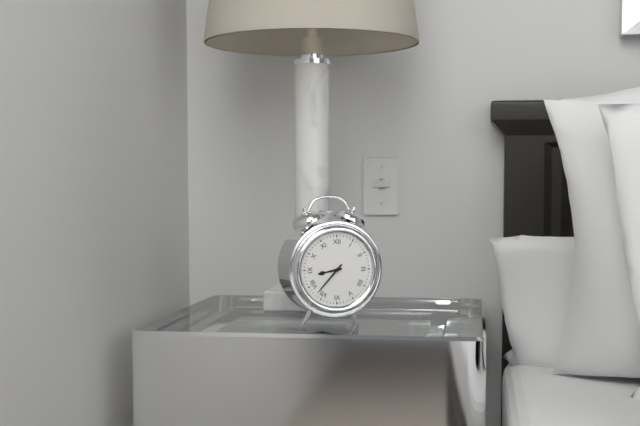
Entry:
8h37
